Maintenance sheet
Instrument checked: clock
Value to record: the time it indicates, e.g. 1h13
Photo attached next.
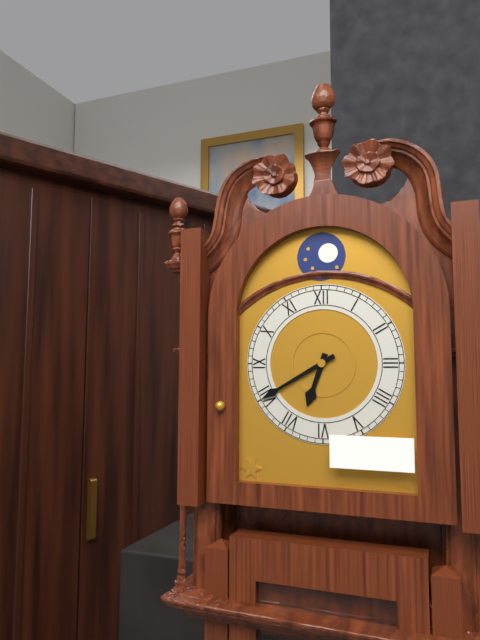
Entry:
6h40
